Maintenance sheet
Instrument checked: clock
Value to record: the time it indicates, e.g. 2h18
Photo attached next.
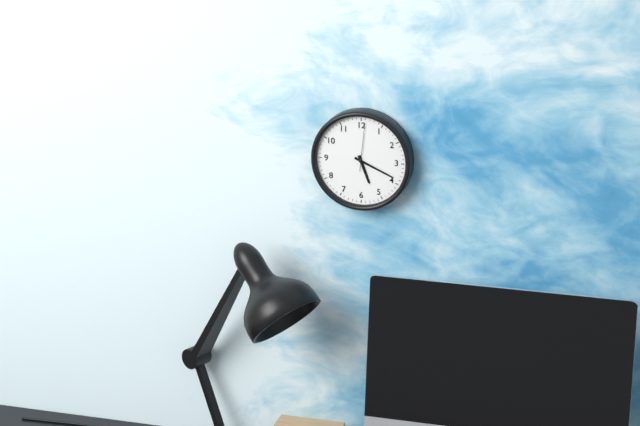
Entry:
5h19
